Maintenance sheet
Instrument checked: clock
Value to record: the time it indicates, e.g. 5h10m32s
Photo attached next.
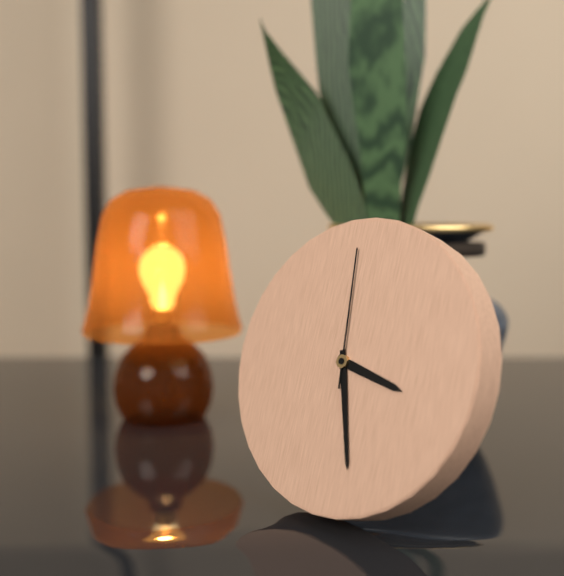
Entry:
3h27m59s
